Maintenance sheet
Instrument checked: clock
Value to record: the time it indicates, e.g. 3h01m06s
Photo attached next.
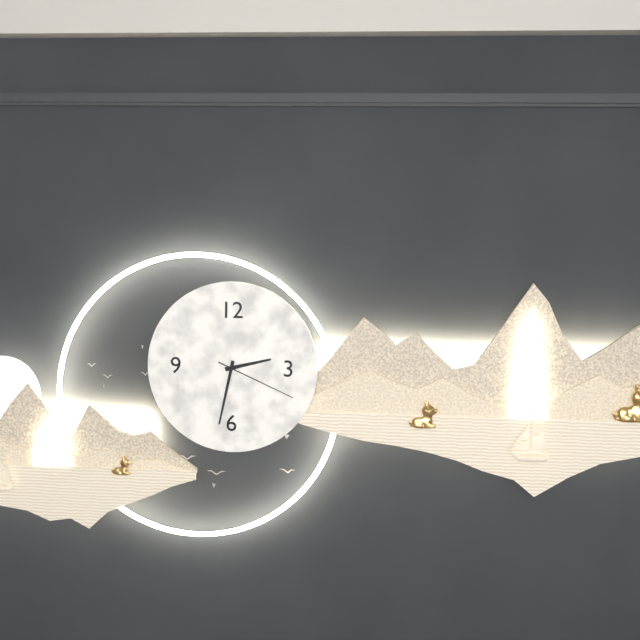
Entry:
2h32m19s
